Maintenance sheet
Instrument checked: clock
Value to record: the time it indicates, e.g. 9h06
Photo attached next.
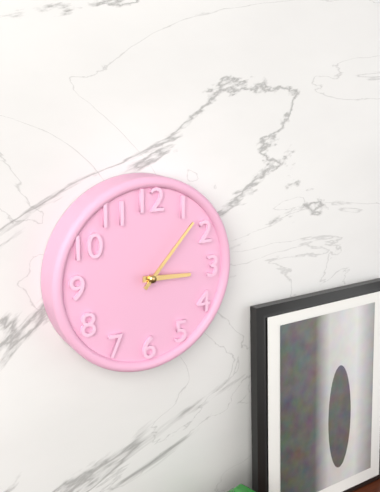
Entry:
3h07
